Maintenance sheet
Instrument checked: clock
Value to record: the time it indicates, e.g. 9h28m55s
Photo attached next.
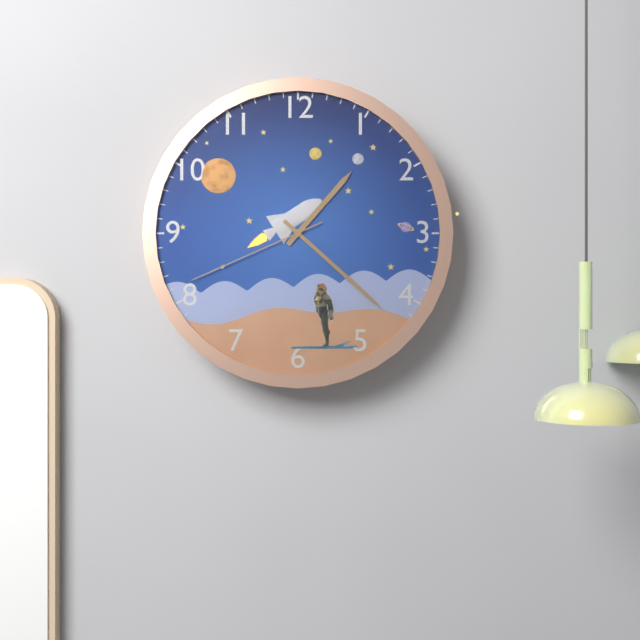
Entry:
1h22m41s
